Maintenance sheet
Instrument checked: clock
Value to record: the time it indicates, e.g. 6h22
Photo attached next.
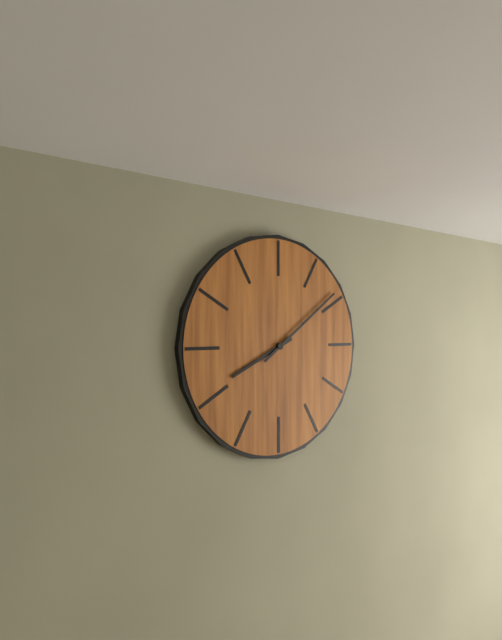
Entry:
8h09
